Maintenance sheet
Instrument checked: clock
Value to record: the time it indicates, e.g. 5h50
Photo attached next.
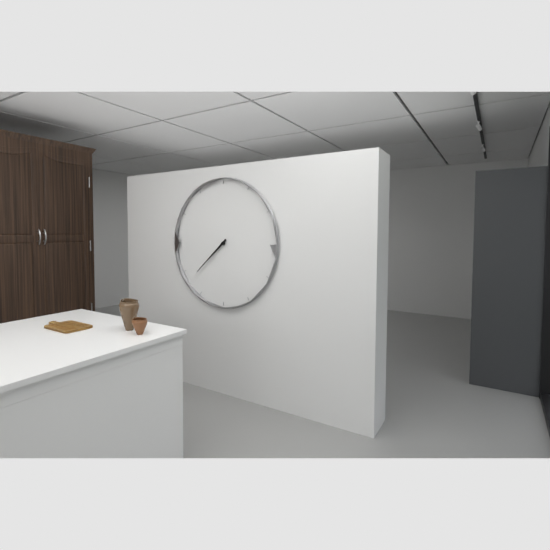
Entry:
7h38
